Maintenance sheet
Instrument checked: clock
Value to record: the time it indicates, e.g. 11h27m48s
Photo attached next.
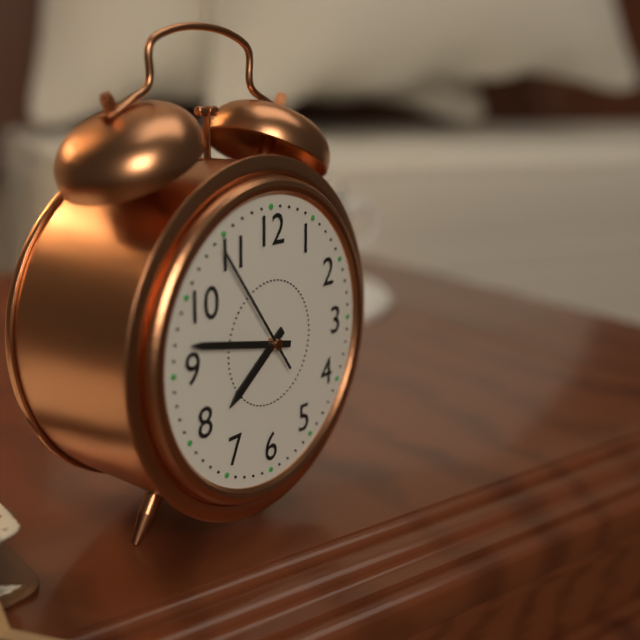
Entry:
7h47m54s
